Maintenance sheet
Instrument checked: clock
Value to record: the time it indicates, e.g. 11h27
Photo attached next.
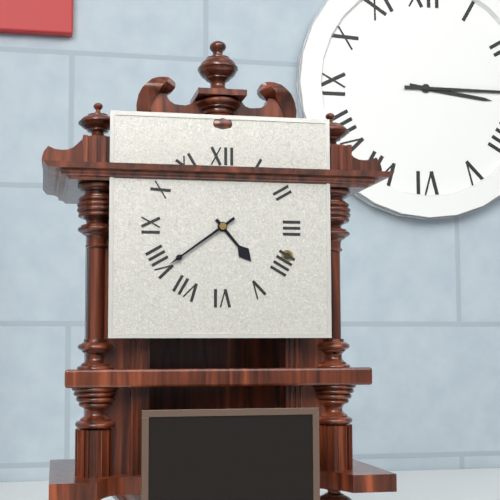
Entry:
4h39
